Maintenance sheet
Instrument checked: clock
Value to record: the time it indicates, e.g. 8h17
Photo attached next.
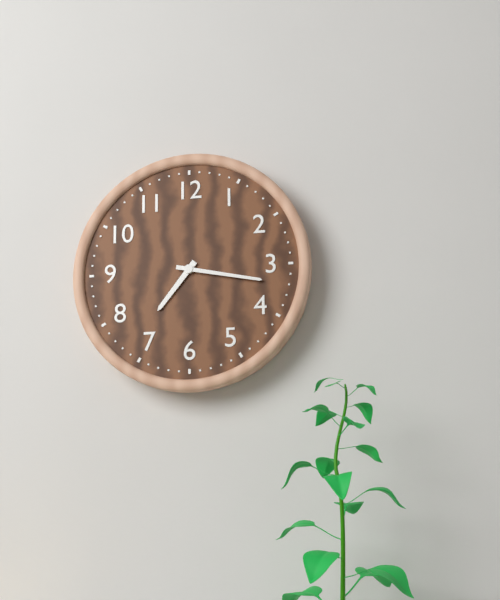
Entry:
7h17
